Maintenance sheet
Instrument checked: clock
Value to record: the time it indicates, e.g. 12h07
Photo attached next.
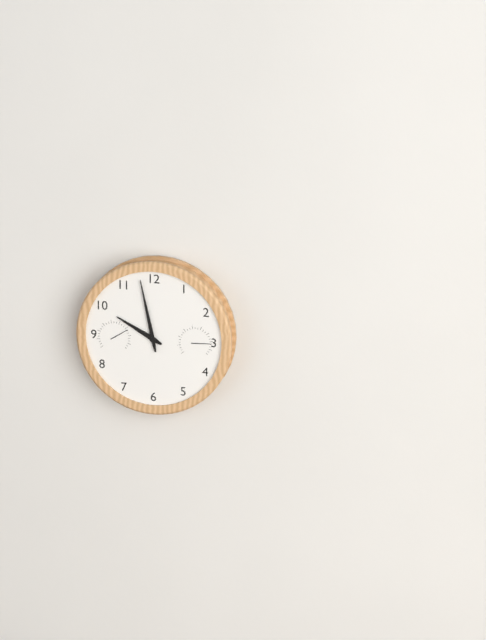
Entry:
9h58
